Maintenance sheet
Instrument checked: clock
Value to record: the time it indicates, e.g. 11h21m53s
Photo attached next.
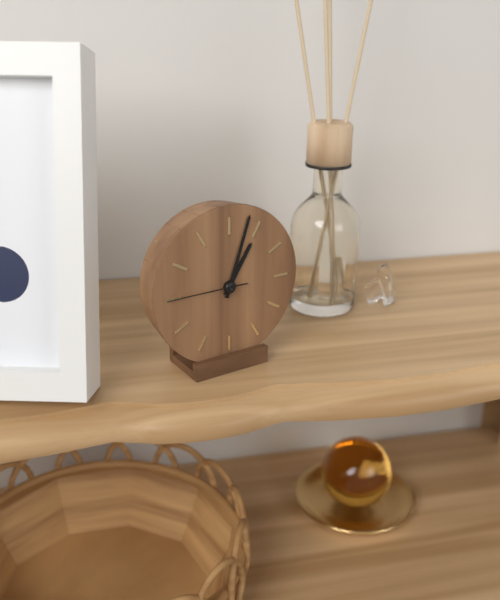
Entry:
1h03m45s
